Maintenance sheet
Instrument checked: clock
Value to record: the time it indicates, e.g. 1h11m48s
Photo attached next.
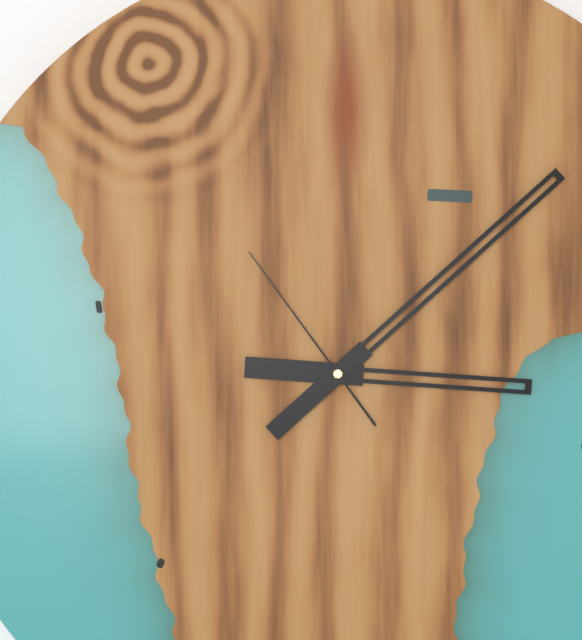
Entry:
3h08m54s
